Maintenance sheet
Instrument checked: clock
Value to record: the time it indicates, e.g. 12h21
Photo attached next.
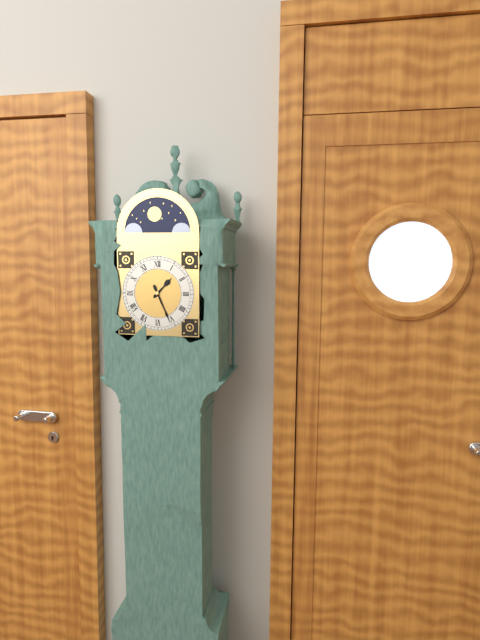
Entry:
1h26
